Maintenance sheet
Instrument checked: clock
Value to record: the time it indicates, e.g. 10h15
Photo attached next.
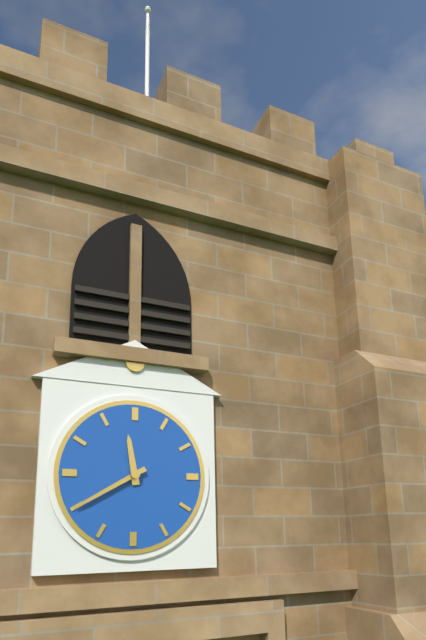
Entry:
11h40
